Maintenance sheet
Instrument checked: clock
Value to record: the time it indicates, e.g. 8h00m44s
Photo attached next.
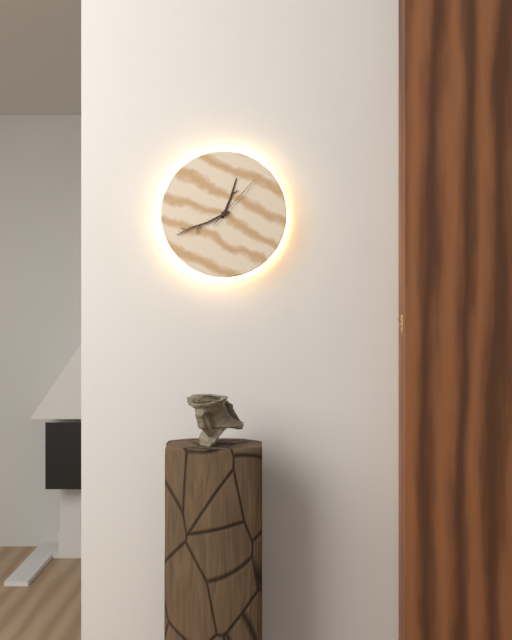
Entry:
12h41m07s
